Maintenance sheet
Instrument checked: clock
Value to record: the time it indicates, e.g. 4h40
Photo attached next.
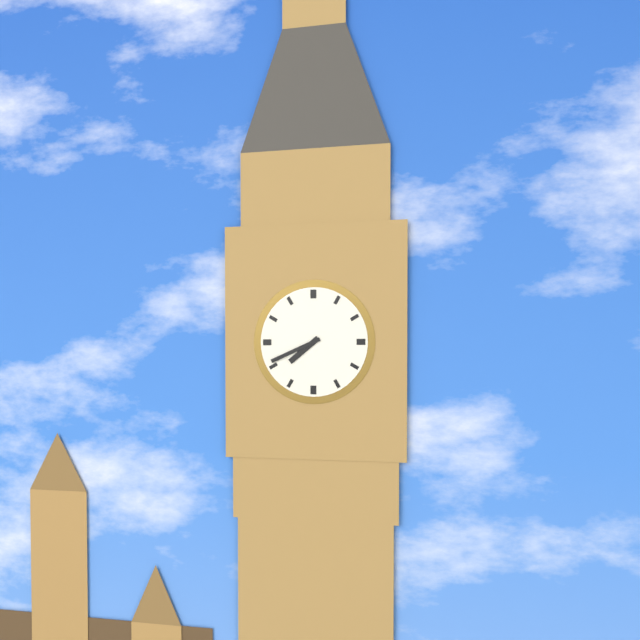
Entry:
7h41
